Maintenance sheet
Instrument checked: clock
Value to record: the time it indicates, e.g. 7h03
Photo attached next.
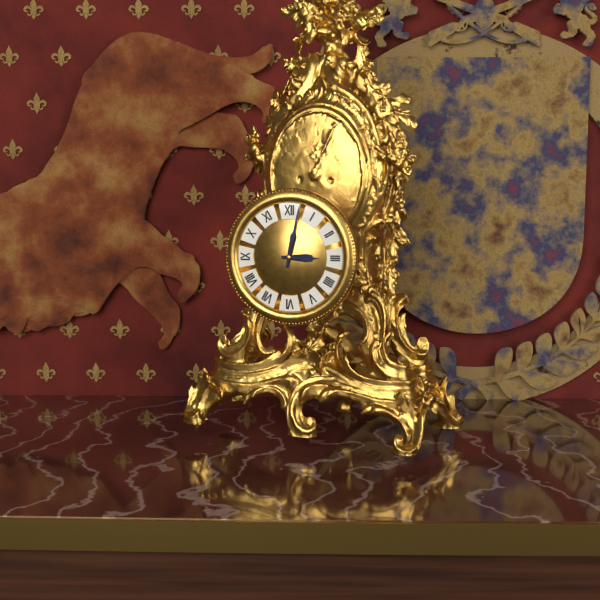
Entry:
3h02
